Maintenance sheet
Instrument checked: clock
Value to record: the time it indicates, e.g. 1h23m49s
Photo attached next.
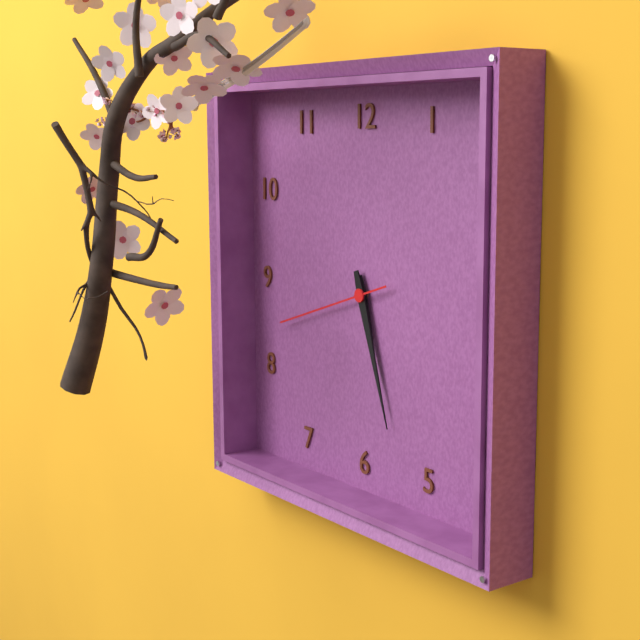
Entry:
5h27m42s
